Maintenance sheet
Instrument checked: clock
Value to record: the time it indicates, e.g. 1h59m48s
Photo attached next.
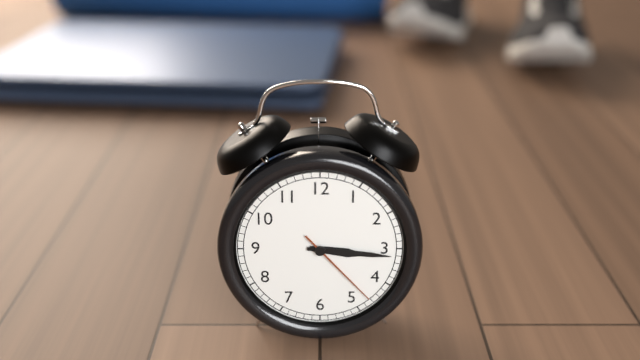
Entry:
3h16m23s
